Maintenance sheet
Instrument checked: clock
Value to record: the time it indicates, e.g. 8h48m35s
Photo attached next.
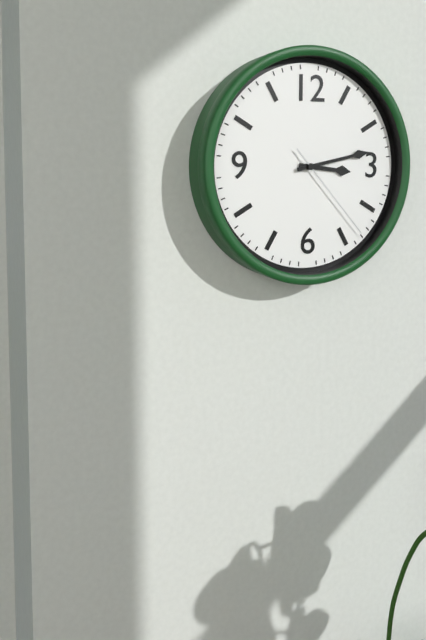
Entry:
3h13m23s
